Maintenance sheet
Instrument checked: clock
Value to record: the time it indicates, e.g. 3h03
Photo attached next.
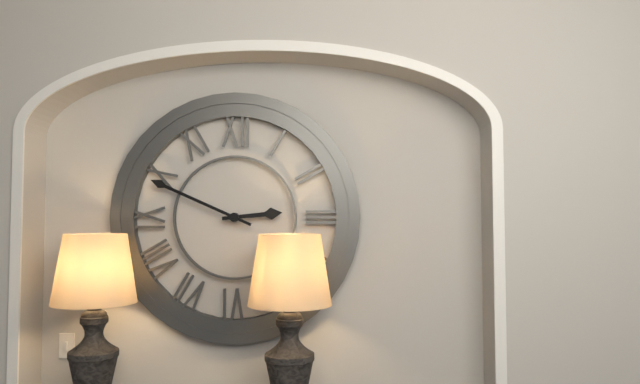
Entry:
2h49
